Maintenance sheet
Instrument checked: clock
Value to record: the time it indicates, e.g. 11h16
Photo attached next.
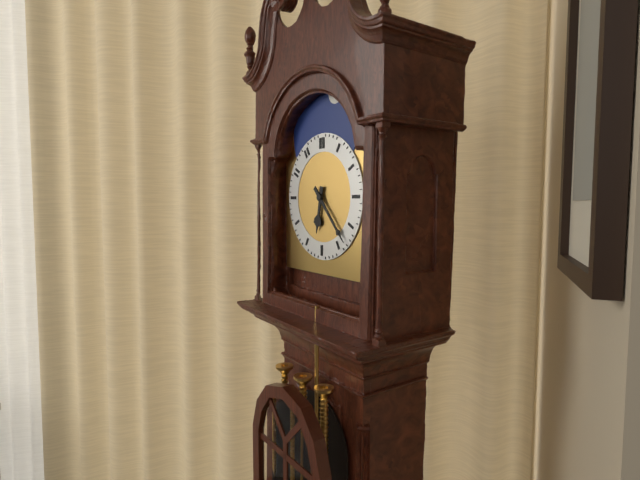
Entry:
6h23
